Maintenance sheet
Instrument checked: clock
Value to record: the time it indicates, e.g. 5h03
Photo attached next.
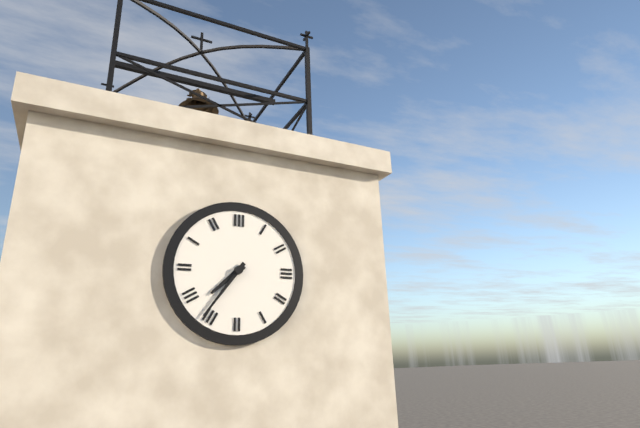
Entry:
7h36
